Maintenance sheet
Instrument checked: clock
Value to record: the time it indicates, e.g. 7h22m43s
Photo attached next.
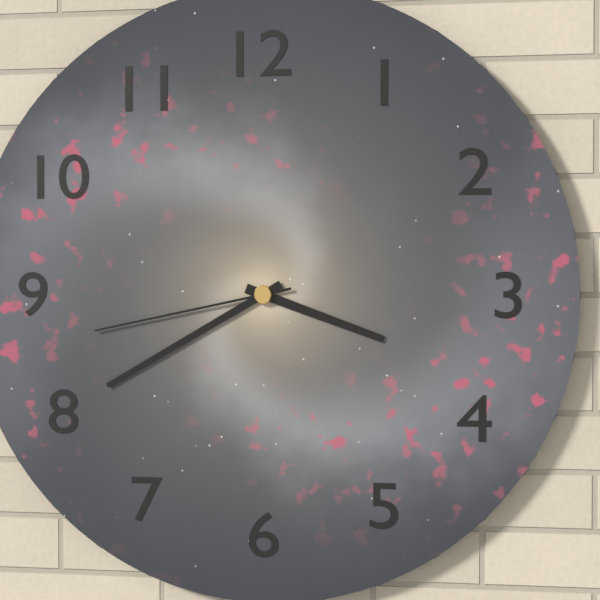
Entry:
3h40m43s
